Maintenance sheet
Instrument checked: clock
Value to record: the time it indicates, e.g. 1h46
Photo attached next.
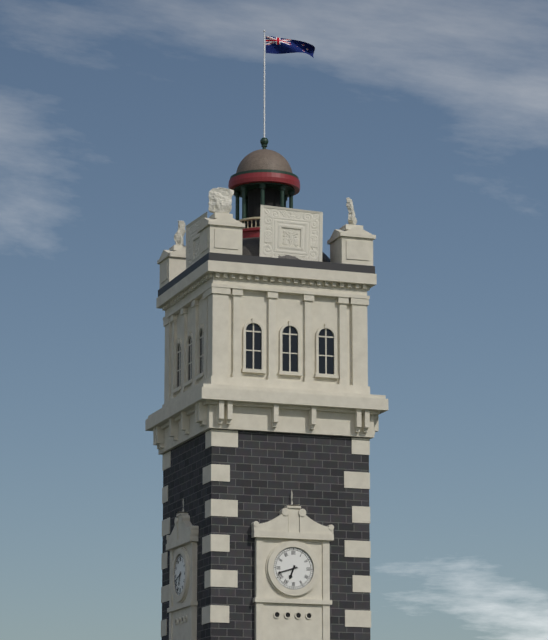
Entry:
6h42
